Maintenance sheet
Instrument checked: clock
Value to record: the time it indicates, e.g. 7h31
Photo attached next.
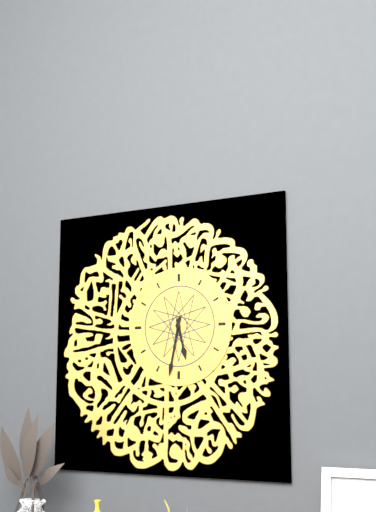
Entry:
5h32
